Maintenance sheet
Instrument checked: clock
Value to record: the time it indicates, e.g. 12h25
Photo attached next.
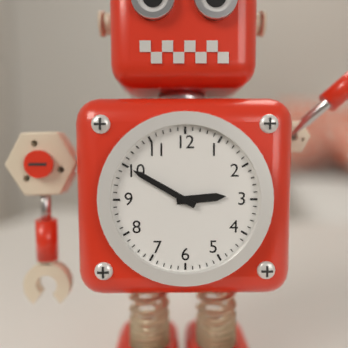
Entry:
2h50
